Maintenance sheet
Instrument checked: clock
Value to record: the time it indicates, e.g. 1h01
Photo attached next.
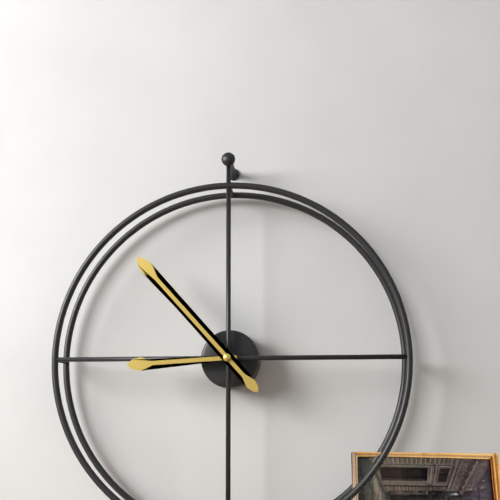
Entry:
8h53
